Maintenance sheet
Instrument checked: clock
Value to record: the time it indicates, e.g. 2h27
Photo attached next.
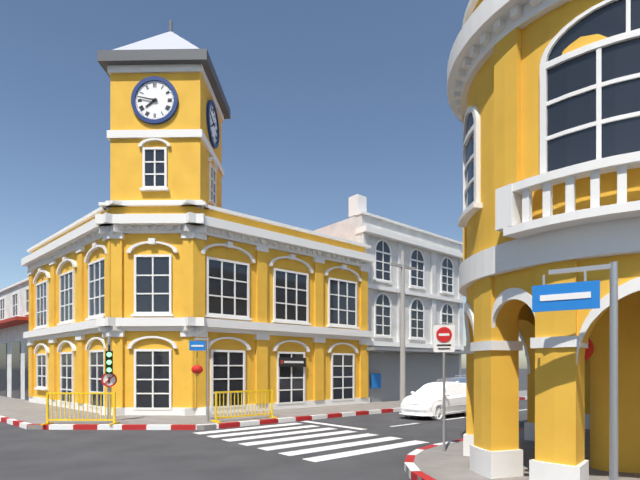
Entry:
7h47
